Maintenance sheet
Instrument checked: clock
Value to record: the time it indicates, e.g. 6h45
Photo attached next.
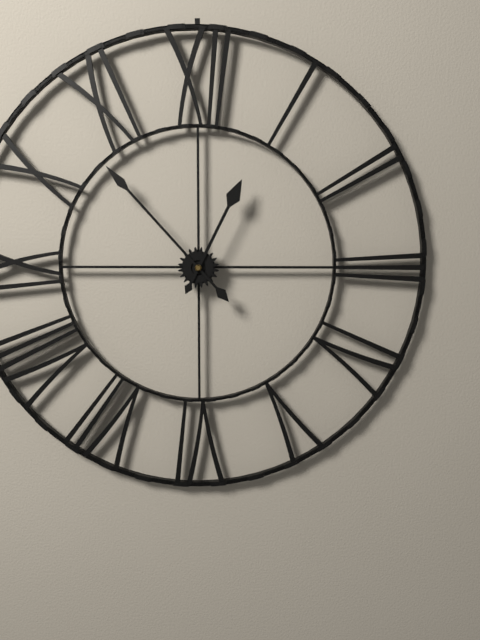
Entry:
12h53
